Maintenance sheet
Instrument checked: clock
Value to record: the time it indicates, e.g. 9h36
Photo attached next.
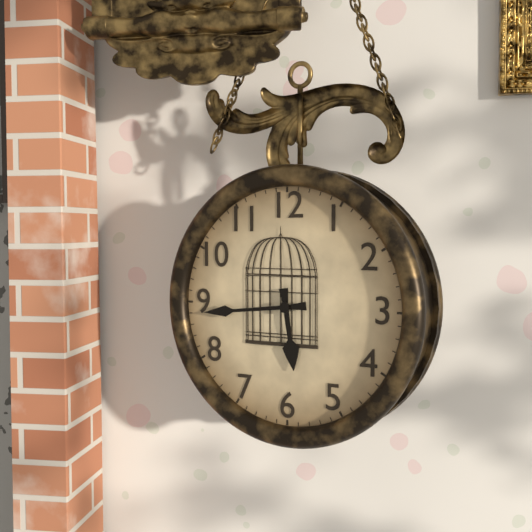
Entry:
5h44
